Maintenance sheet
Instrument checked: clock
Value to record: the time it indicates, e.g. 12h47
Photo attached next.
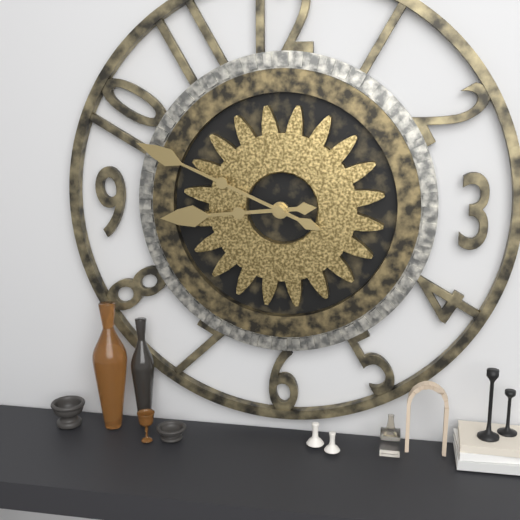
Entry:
8h49
